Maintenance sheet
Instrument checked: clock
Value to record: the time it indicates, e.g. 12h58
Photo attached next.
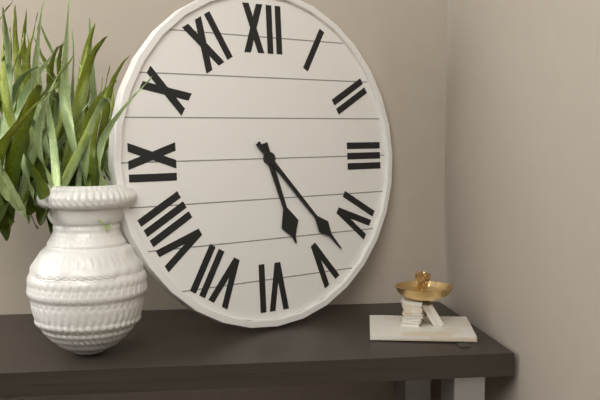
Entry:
5h23
